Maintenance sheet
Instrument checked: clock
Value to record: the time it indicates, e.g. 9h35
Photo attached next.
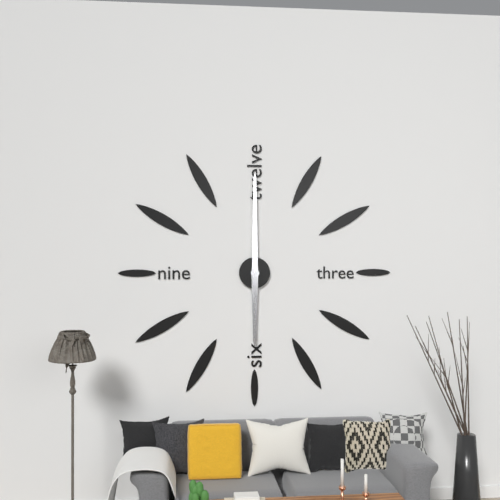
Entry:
6h00
